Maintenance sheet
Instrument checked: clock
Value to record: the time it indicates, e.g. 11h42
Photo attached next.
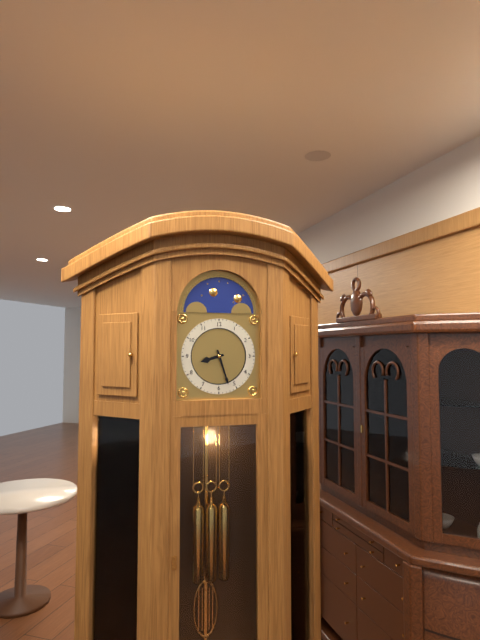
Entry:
8h27
